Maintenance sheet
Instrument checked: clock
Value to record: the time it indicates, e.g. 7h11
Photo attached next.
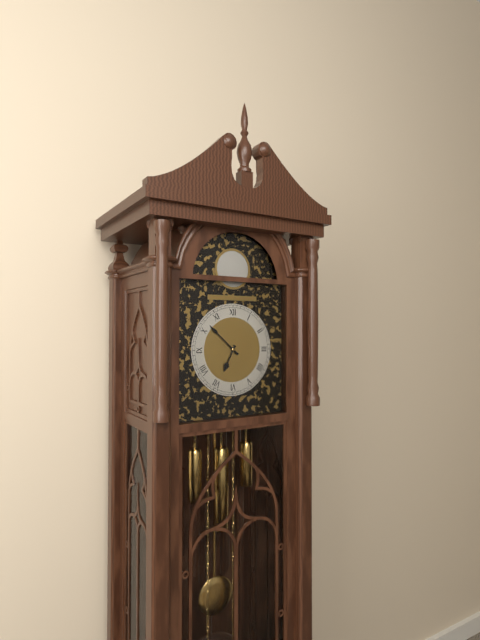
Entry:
6h52
